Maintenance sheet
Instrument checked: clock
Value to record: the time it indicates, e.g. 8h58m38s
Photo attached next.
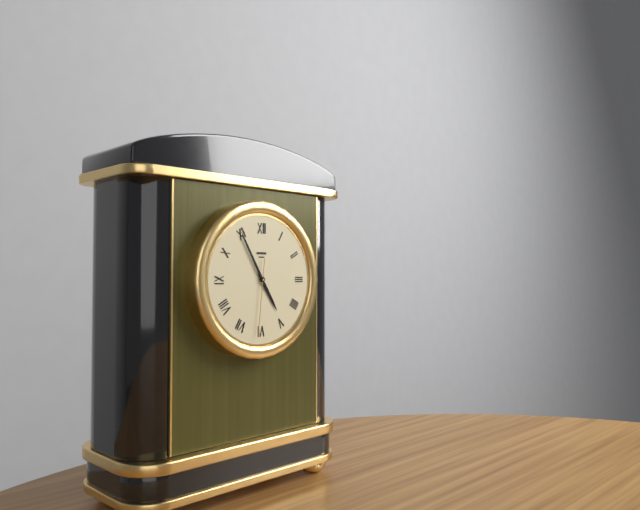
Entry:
4h55m31s
